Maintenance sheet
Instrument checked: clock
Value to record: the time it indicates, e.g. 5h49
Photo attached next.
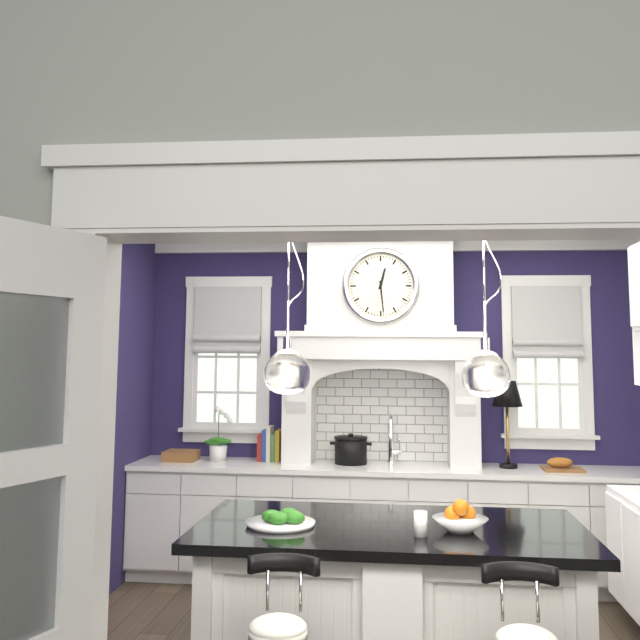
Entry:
12h29
